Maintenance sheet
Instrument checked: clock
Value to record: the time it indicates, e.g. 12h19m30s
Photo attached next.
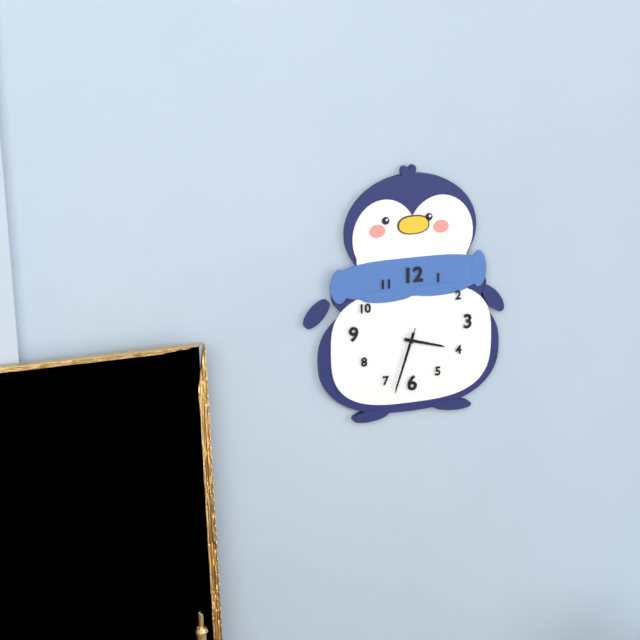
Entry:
3h33m33s
